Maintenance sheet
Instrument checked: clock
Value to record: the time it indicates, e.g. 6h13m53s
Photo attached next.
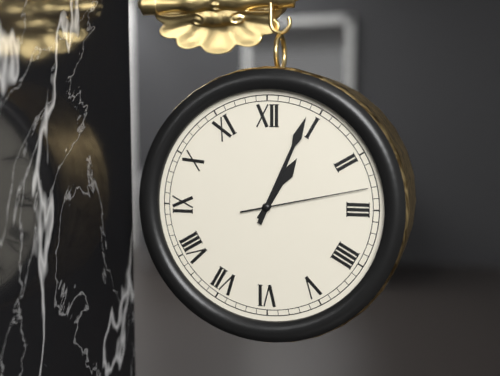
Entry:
1h04m13s
